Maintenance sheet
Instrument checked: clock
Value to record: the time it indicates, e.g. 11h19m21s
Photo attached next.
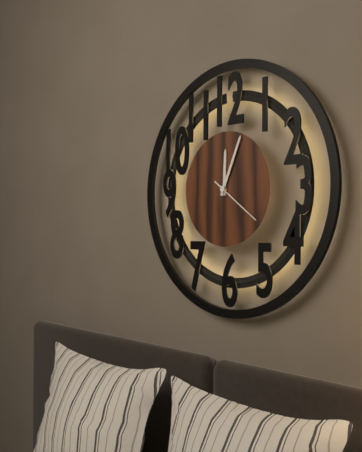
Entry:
12h04m21s
